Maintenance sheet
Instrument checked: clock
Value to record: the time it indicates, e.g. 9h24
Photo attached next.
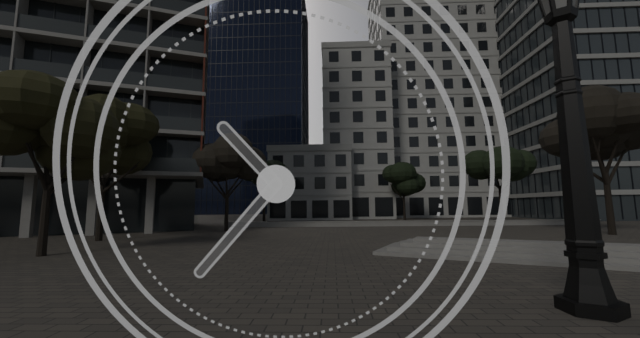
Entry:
10h37
